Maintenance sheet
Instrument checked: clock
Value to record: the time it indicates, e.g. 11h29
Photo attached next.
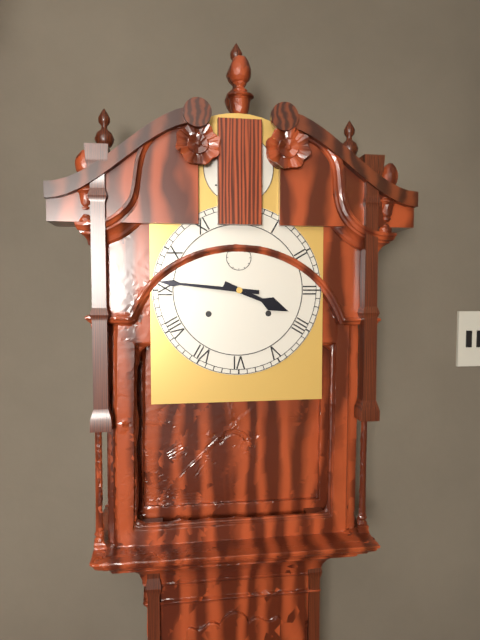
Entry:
3h46
